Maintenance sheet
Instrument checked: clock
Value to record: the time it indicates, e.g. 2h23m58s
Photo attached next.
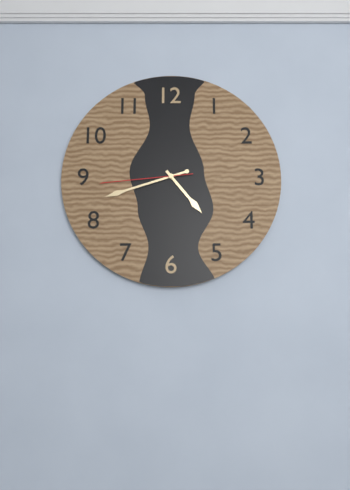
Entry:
4h42m44s
